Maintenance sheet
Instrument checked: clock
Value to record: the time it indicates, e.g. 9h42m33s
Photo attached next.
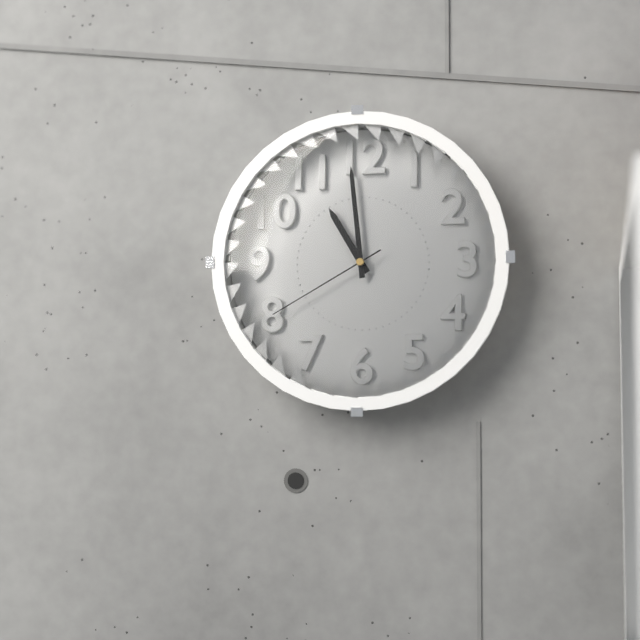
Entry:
10h59m40s
